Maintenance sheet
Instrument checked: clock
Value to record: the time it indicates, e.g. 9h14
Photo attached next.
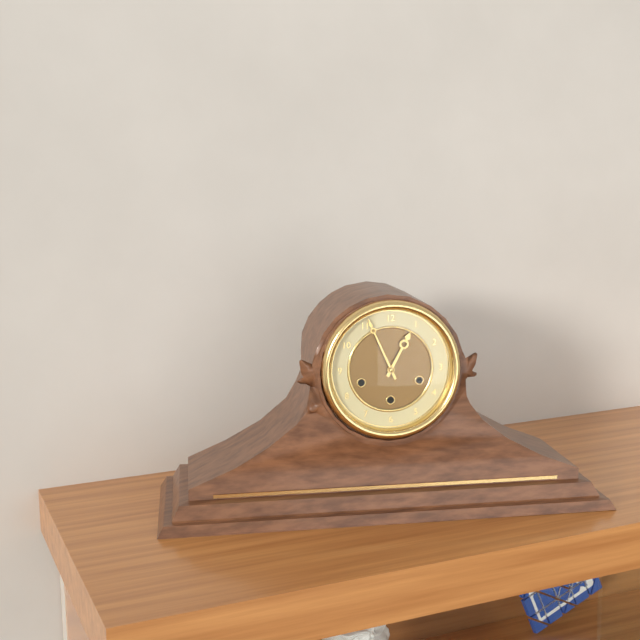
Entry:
12h56
